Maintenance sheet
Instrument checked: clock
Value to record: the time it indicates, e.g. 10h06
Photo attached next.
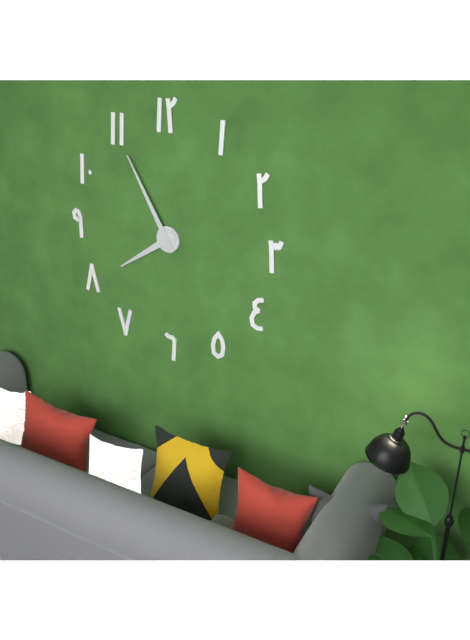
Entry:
7h55
